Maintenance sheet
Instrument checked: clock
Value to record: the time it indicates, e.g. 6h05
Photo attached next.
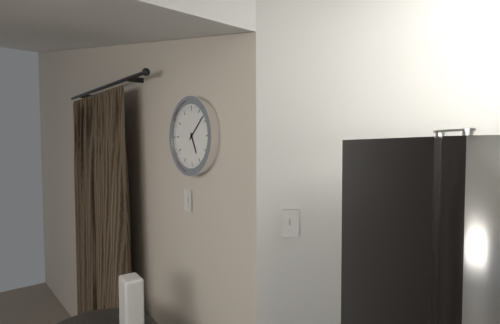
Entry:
5h08
